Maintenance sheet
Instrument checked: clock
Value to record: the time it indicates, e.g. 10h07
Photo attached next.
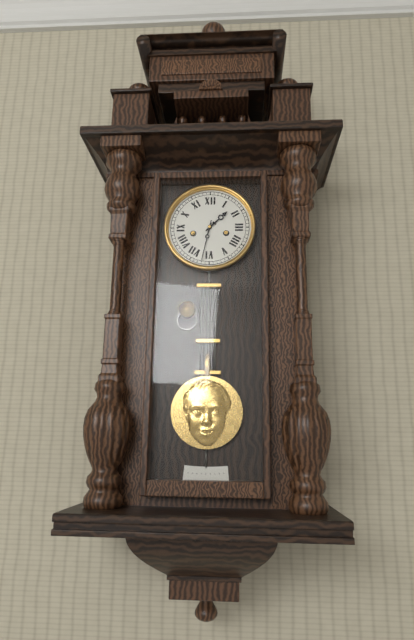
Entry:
1h32
